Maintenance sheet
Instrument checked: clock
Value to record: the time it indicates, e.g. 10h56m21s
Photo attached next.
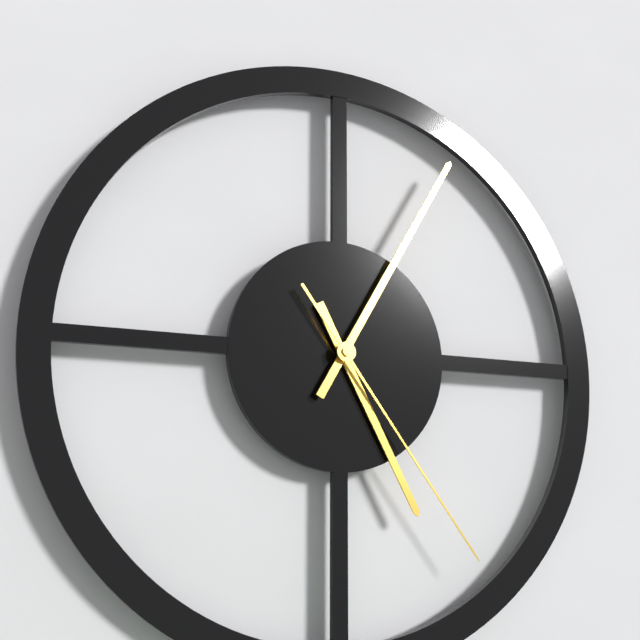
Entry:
5h05m24s
